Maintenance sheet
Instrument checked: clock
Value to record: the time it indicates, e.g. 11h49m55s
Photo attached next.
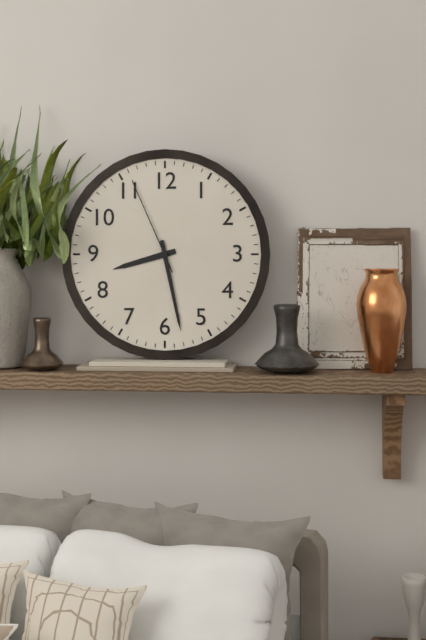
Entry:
8h28m56s
